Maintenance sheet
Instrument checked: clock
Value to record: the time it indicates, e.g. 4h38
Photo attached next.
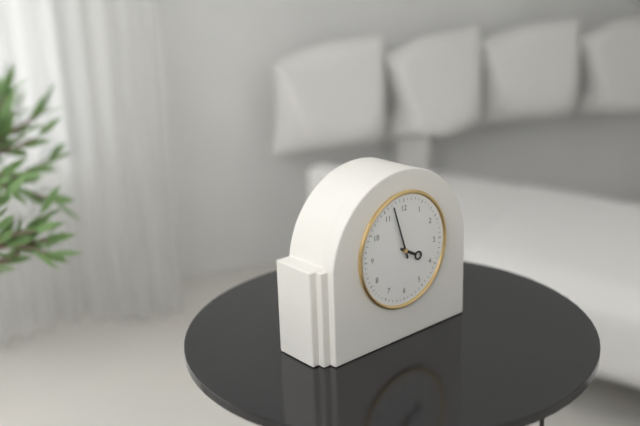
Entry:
3h57
